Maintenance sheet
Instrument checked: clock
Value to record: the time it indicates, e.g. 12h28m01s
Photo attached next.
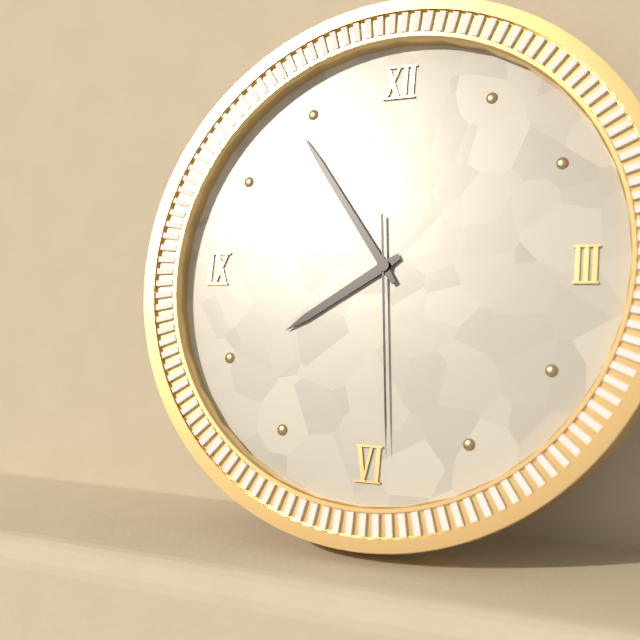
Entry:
7h54m29s
